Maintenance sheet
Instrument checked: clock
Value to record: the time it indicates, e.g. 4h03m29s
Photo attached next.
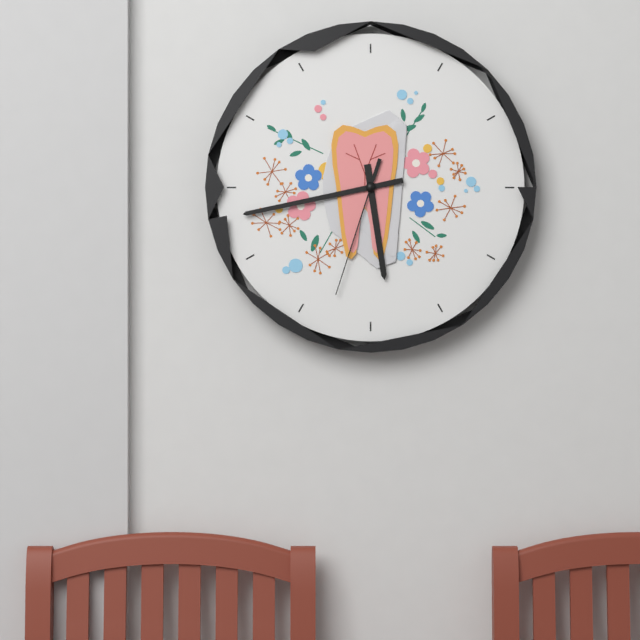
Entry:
5h43m33s
